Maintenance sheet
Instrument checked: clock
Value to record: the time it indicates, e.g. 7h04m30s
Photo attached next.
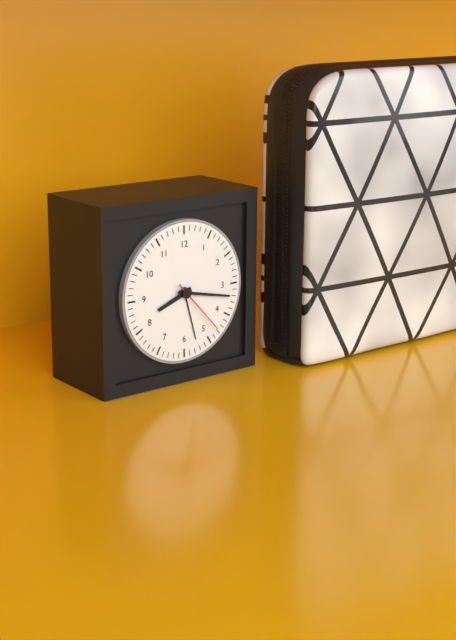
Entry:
8h17m23s
